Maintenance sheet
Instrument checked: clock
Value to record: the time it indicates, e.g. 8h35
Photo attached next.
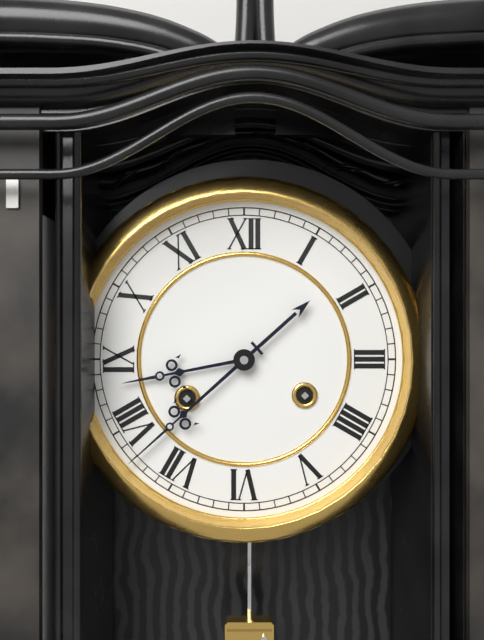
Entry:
8h38
